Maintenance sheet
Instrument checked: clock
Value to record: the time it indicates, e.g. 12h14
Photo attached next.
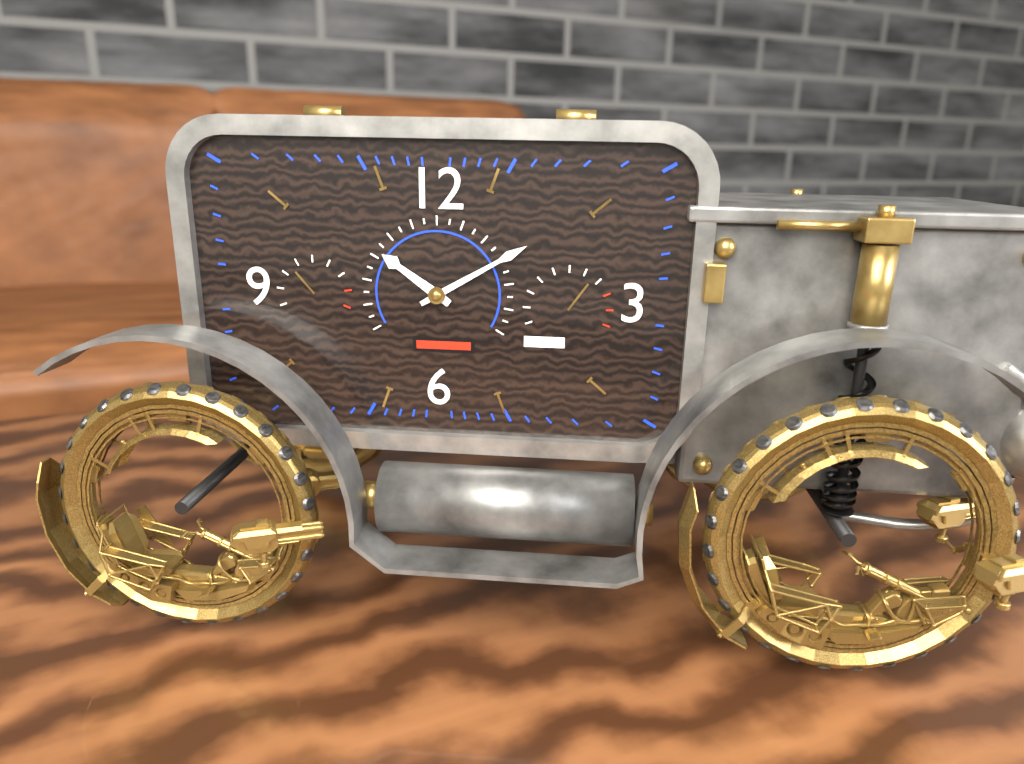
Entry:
10h10
